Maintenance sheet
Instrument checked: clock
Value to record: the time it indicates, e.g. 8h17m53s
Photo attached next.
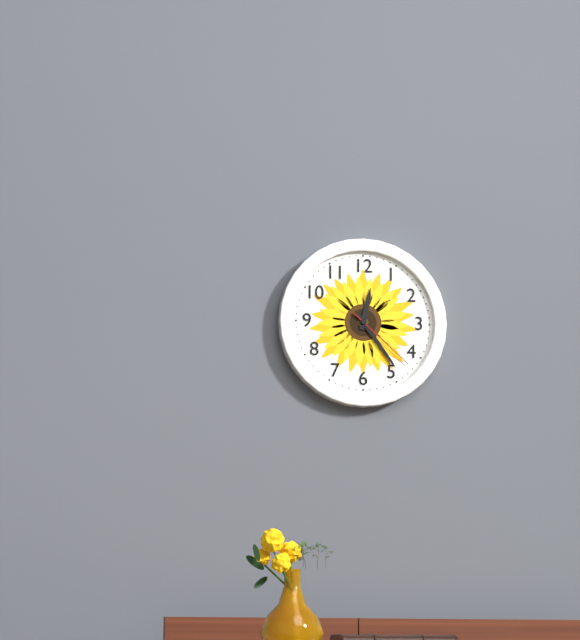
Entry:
12h24m22s
